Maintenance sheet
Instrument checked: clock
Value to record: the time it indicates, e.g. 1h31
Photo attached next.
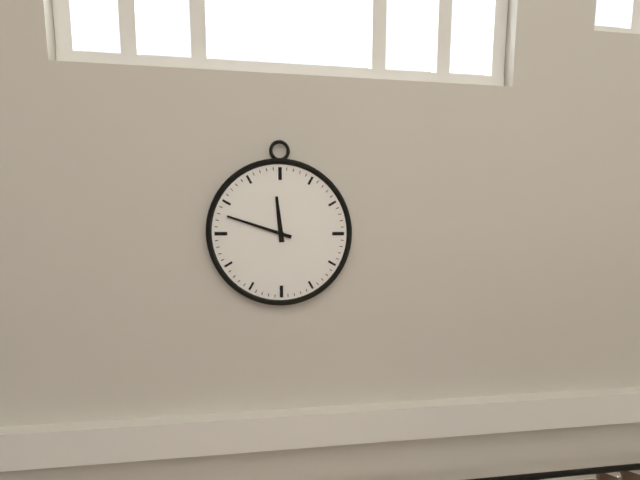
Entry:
11h48
